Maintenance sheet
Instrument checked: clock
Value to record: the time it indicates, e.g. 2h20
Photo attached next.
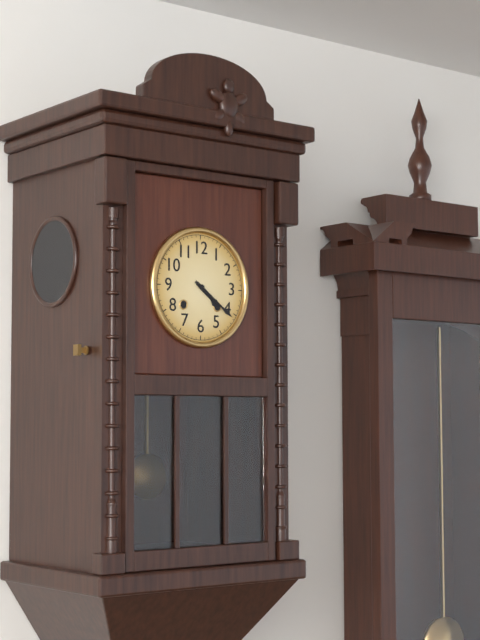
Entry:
4h21
